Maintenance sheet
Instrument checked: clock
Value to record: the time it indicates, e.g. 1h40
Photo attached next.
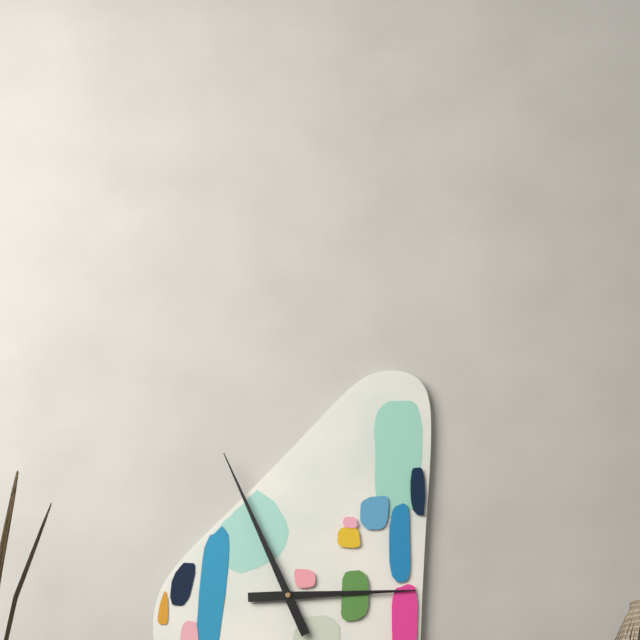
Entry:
2h56
